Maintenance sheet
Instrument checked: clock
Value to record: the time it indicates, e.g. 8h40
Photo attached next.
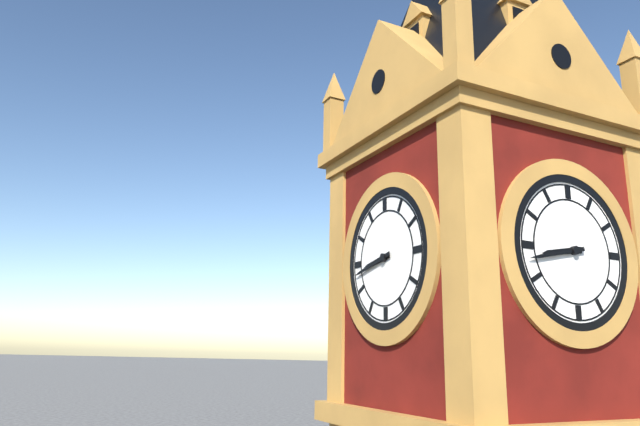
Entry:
8h43
